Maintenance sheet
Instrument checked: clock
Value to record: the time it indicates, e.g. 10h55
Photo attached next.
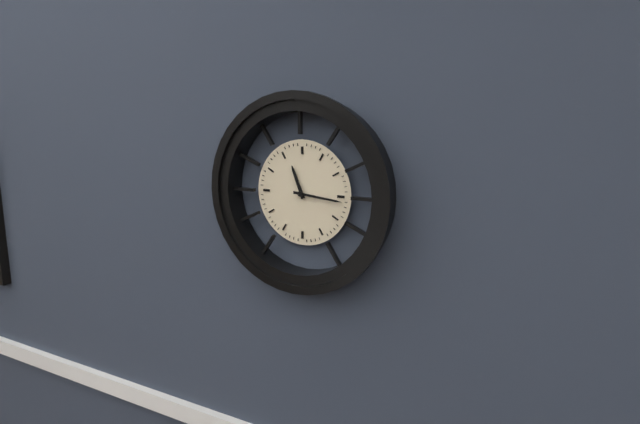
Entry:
11h16
